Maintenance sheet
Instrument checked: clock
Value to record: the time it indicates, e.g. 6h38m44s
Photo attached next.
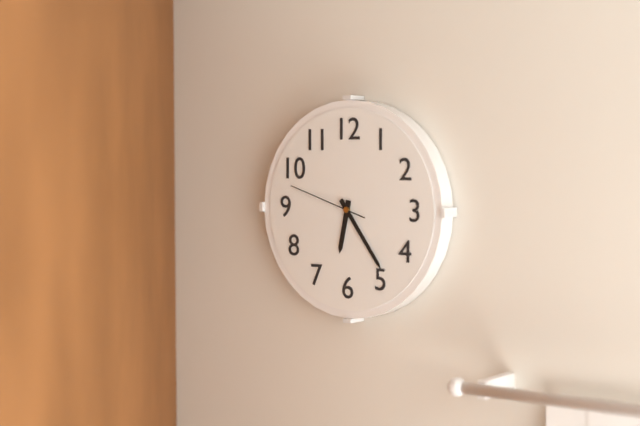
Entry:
6h24m48s
